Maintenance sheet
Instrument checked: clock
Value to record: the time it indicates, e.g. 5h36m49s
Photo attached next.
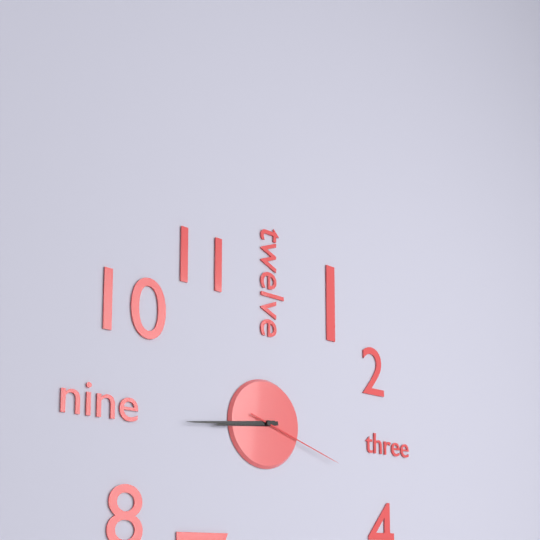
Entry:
8h44m18s
